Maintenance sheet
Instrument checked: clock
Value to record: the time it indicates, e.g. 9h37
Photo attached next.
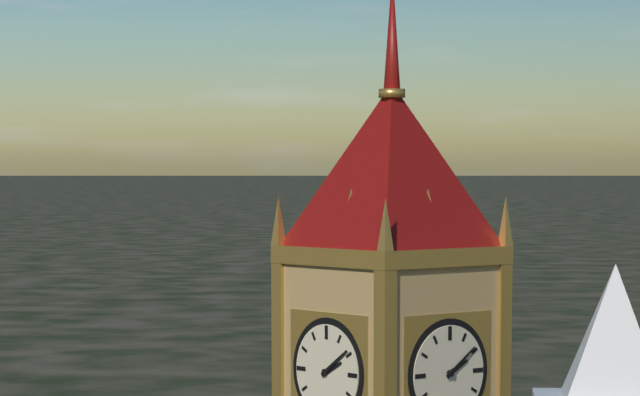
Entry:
2h09
